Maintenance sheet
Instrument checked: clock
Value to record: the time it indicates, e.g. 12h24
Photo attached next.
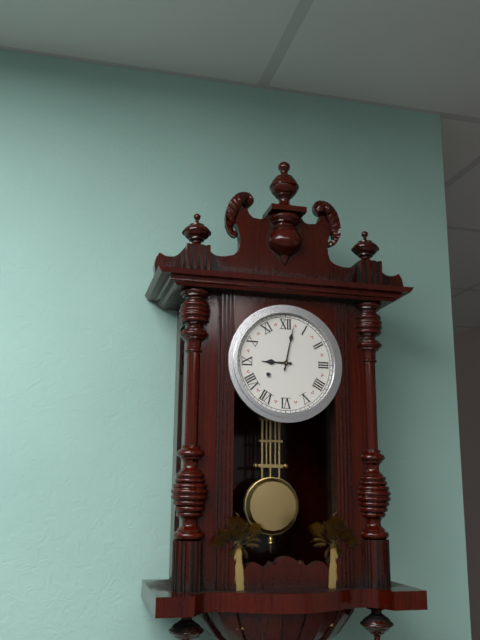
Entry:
9h02
